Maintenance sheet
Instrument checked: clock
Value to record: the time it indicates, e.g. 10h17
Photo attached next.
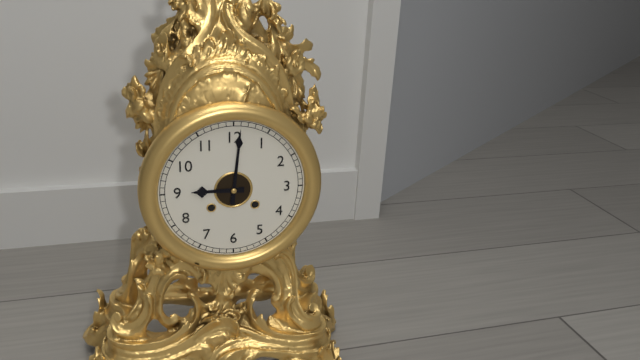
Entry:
9h01
